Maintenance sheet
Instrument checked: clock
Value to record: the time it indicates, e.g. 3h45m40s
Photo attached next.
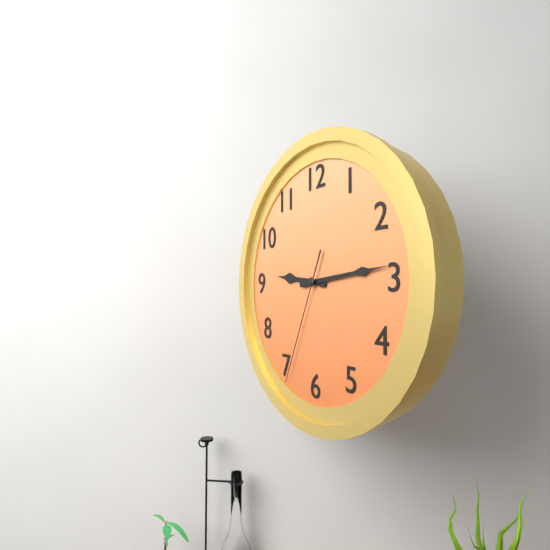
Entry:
9h14m34s
